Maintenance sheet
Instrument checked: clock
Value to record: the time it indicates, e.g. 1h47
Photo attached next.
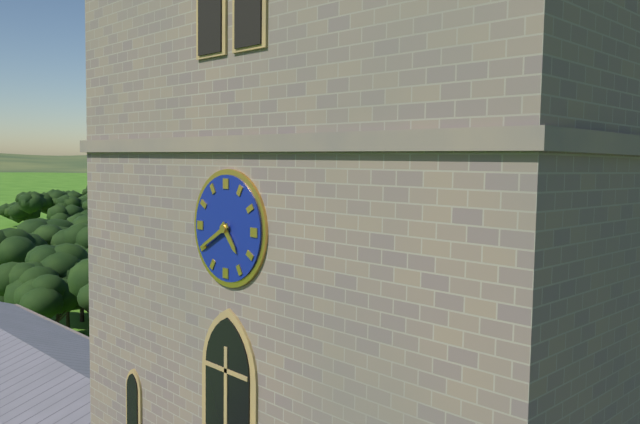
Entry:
4h40
